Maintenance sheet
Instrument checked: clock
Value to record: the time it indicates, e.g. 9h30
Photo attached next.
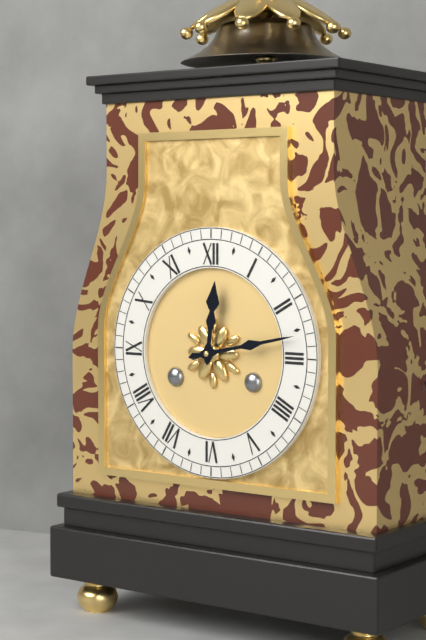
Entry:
12h13
